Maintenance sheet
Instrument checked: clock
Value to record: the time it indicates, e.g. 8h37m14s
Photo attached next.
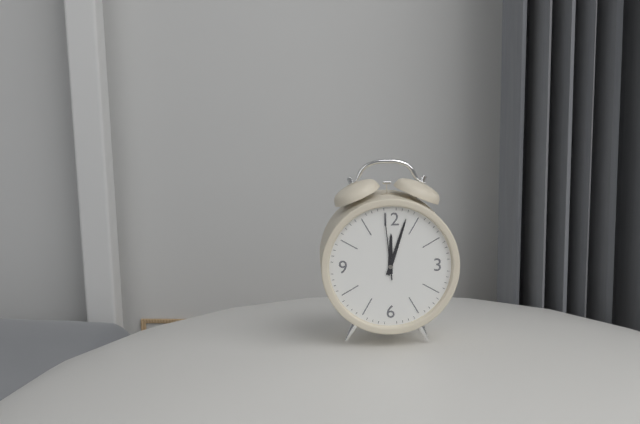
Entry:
12h03m59s
